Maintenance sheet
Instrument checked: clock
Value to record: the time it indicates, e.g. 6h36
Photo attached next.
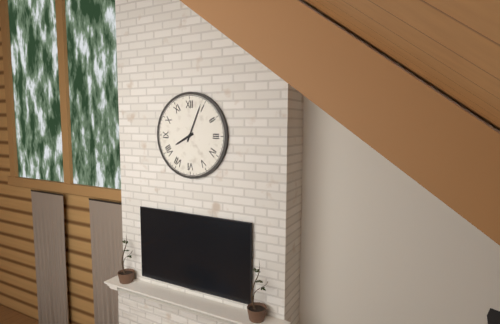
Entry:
8h04
